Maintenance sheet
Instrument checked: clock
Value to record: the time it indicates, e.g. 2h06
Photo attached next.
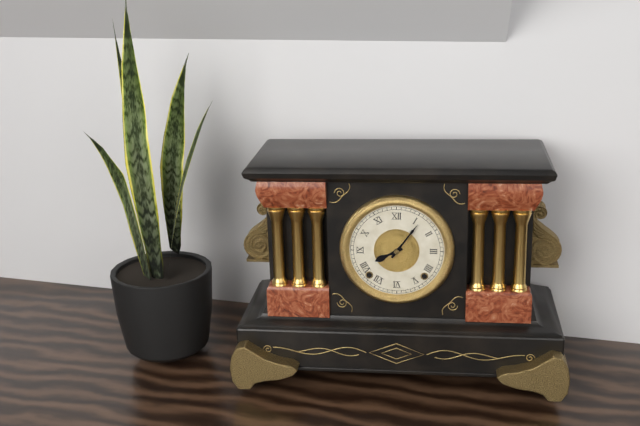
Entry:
8h06
